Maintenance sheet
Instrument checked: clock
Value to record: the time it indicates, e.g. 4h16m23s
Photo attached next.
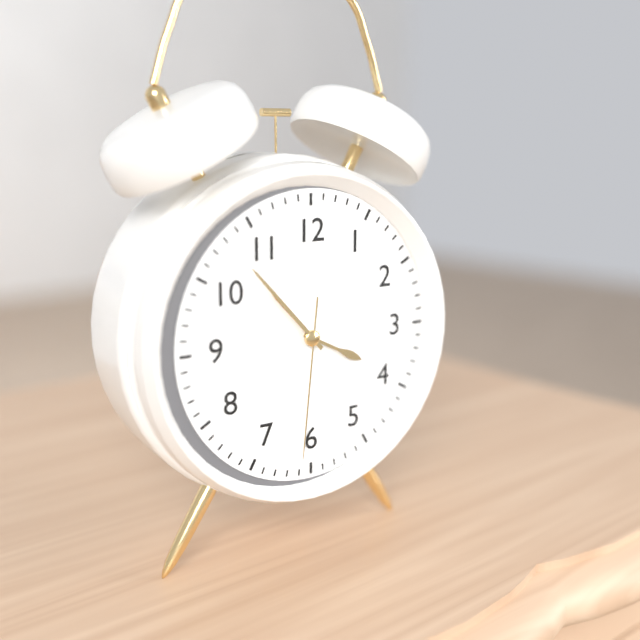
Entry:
3h53m31s
